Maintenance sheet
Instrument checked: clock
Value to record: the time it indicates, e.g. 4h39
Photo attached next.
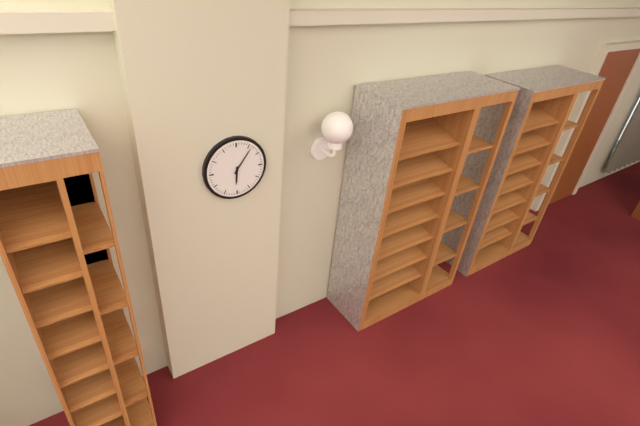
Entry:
6h06
